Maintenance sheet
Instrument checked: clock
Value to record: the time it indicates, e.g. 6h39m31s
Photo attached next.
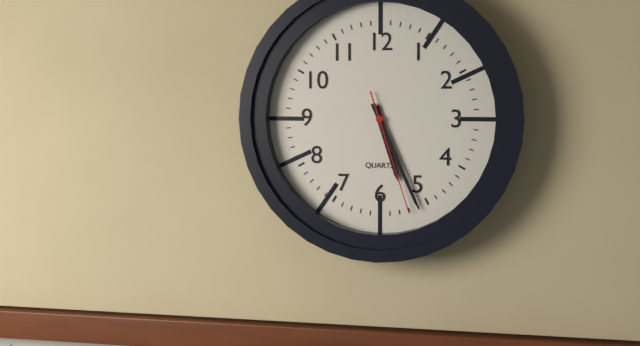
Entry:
5h26m27s
